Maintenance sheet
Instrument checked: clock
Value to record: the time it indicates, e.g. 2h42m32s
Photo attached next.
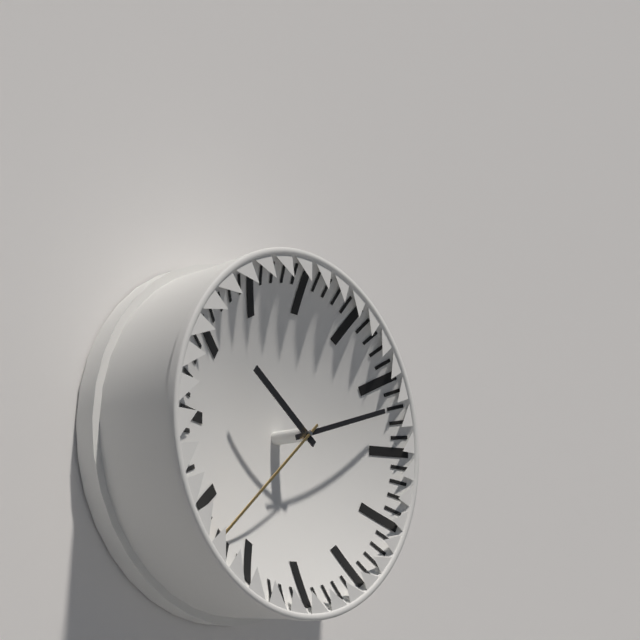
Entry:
10h12m38s
